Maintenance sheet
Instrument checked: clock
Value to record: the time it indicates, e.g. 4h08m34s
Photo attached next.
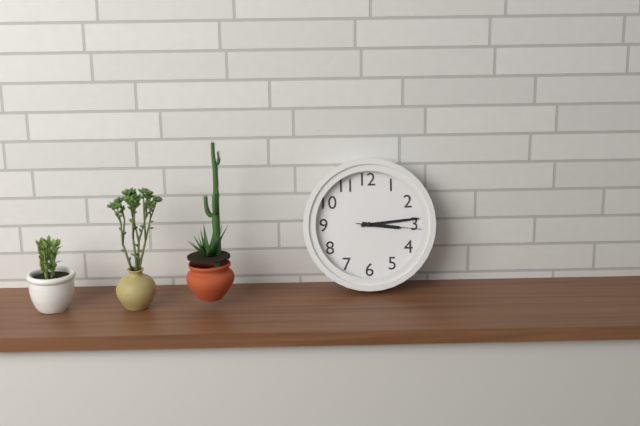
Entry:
3h14m16s
